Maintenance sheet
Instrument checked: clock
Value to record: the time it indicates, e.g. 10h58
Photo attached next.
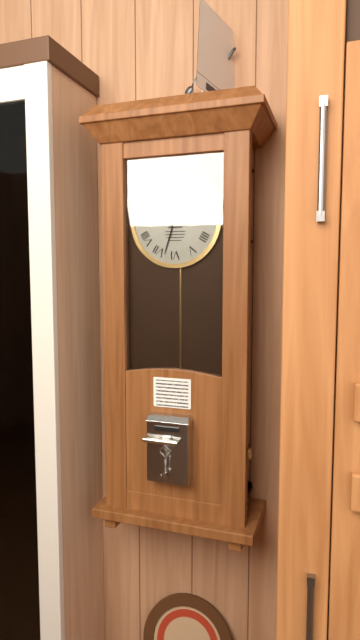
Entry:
2h33
